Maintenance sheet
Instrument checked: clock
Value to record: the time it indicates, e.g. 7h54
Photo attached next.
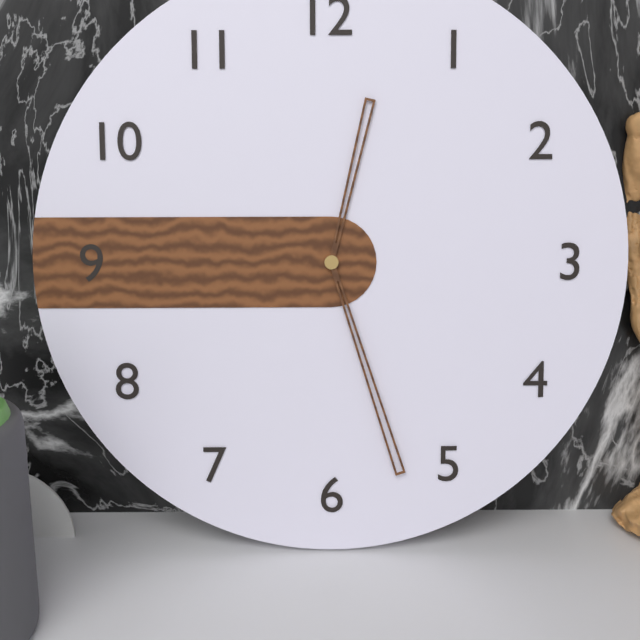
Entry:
12h27
